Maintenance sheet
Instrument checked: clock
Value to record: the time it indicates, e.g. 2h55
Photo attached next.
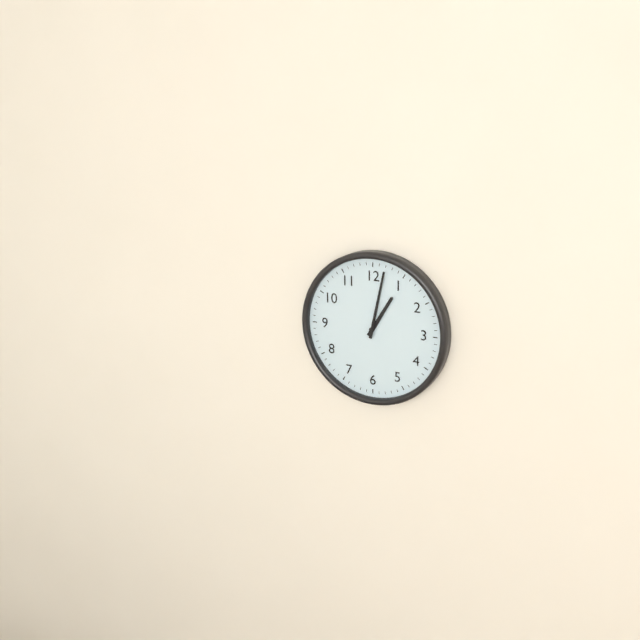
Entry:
1h02
